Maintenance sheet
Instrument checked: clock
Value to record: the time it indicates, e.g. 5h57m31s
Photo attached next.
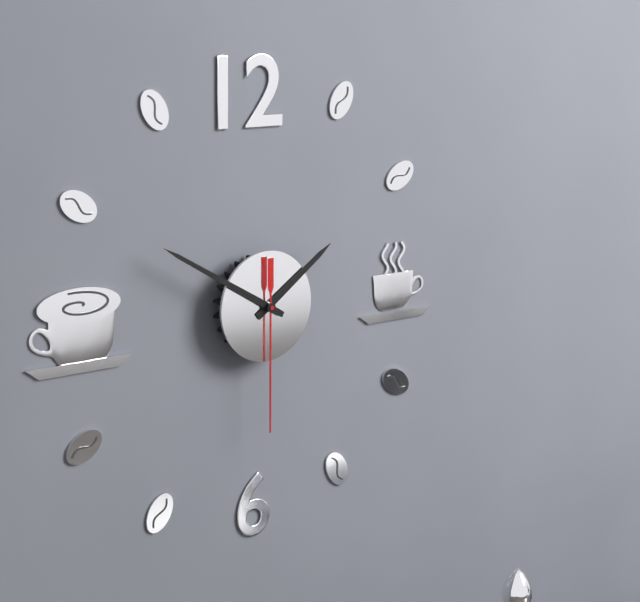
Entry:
1h50m30s
